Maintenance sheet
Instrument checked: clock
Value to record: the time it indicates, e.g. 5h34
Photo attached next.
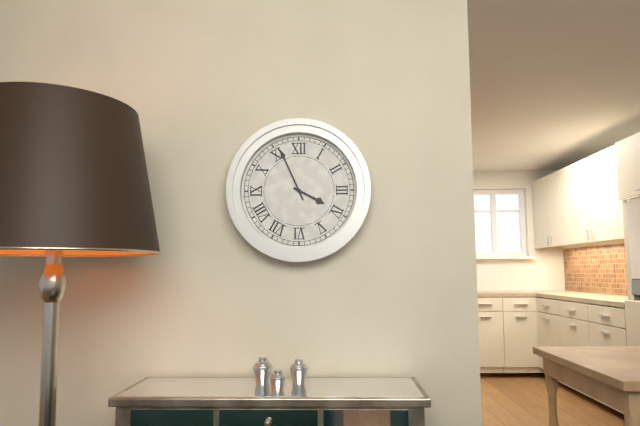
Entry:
3h56
